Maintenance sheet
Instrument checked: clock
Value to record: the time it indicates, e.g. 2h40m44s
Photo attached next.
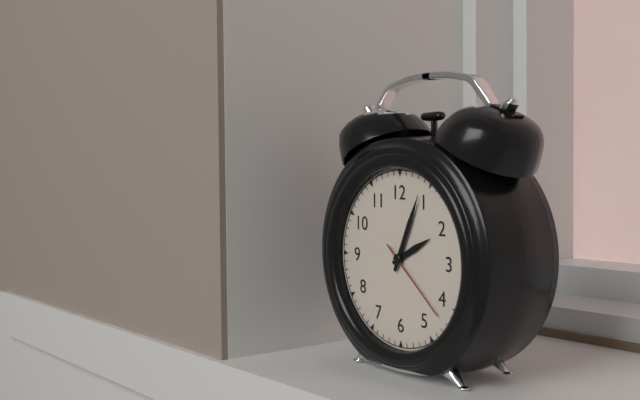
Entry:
2h04m22s
